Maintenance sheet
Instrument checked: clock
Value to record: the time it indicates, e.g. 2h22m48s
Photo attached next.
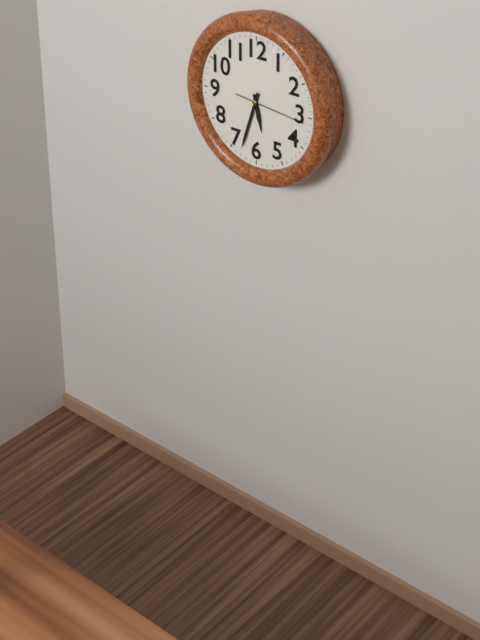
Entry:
5h33m16s
